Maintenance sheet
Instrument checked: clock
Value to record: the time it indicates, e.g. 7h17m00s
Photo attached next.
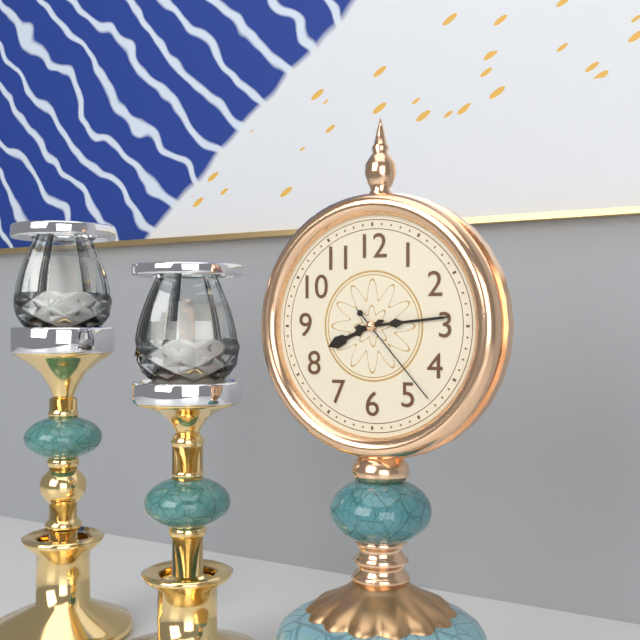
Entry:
8h14m23s
